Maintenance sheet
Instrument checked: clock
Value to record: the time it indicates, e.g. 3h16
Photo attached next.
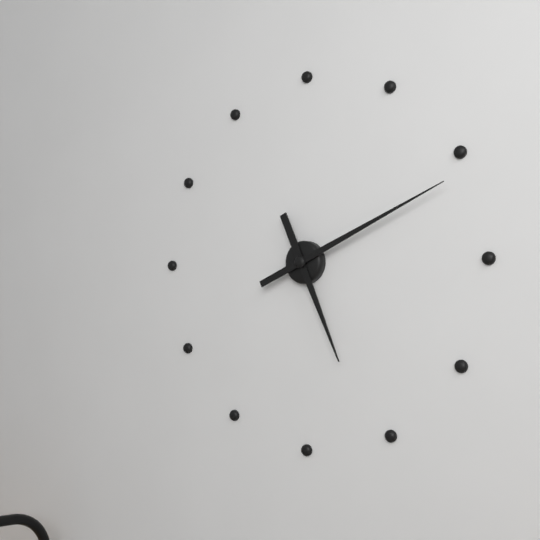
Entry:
5h11
